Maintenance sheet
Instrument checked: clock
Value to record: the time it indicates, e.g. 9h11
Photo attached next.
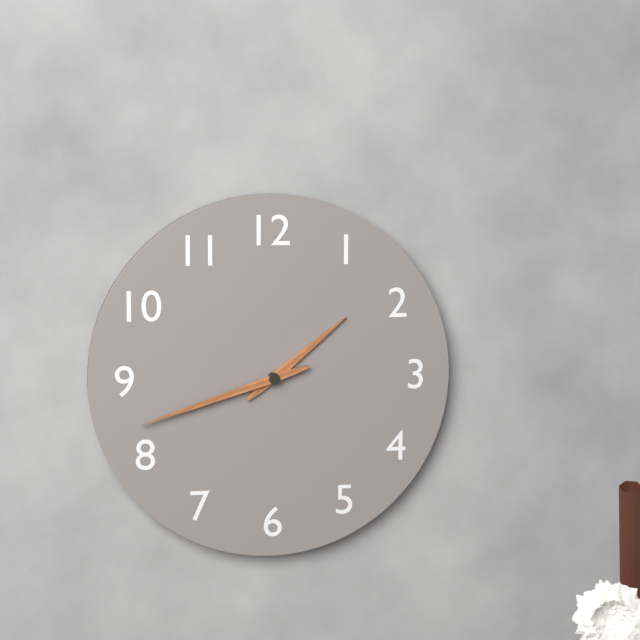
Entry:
1h42
